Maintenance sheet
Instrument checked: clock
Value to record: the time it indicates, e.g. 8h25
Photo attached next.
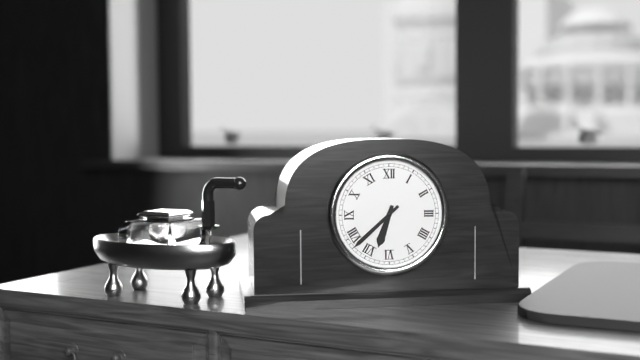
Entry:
6h38
